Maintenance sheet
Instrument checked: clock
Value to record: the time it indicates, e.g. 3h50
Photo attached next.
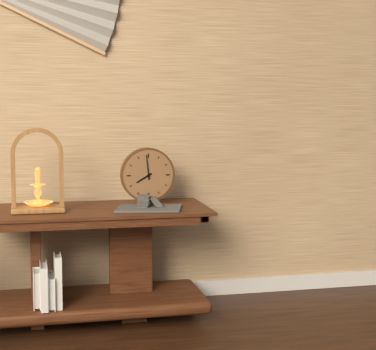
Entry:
7h59
